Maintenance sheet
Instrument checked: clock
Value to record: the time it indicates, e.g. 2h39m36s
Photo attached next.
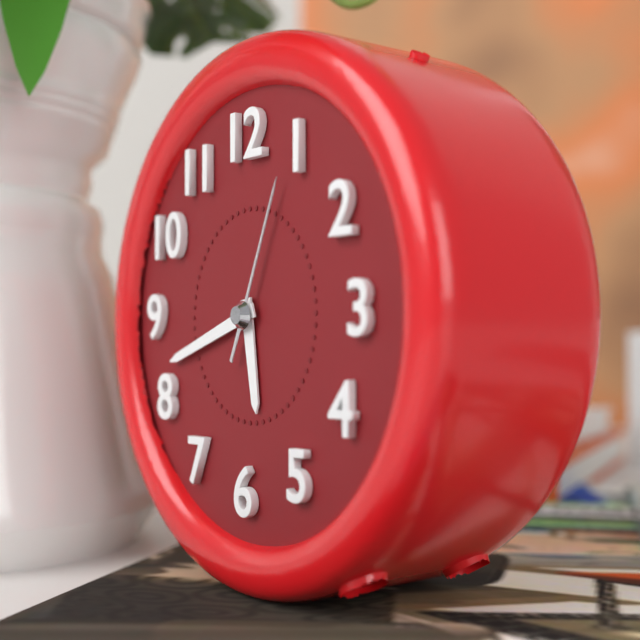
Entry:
5h42m04s
